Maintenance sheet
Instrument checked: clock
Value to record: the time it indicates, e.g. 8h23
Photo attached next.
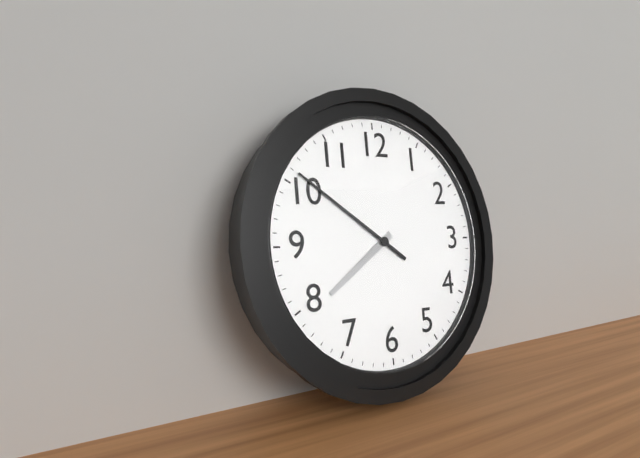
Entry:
7h51
